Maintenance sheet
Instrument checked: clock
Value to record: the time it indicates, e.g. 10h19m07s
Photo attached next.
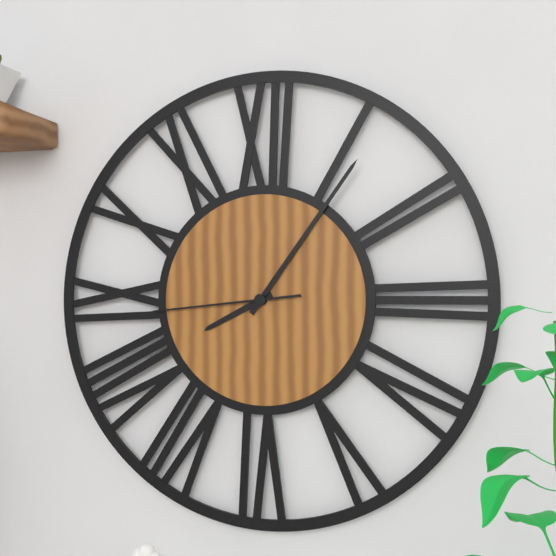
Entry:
8h06m44s
